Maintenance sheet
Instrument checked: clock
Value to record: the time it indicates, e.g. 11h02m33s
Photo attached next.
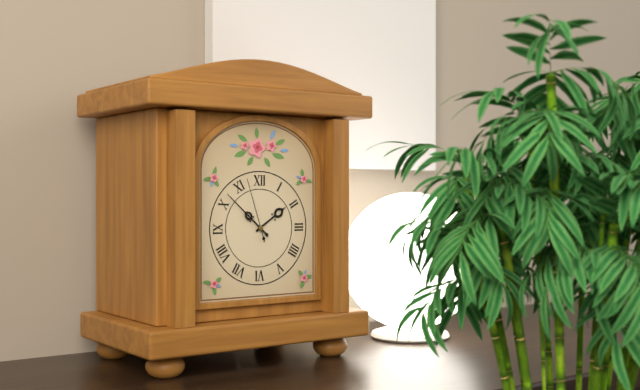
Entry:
1h52m57s
